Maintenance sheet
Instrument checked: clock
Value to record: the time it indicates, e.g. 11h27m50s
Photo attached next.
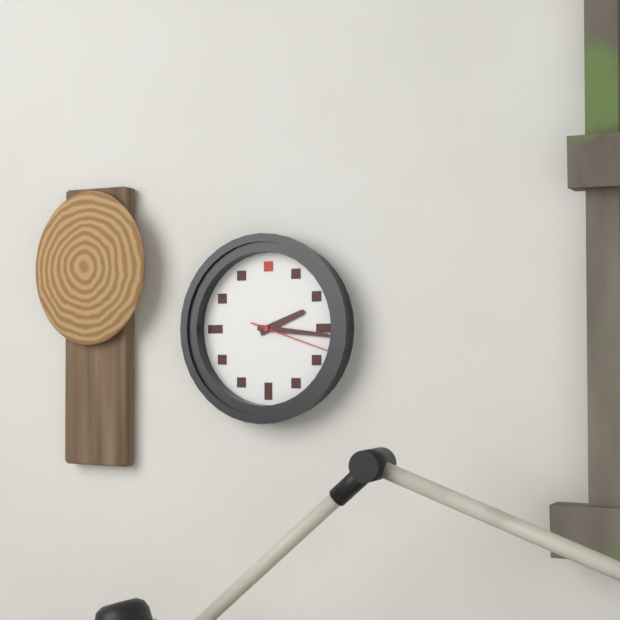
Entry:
2h16m18s
